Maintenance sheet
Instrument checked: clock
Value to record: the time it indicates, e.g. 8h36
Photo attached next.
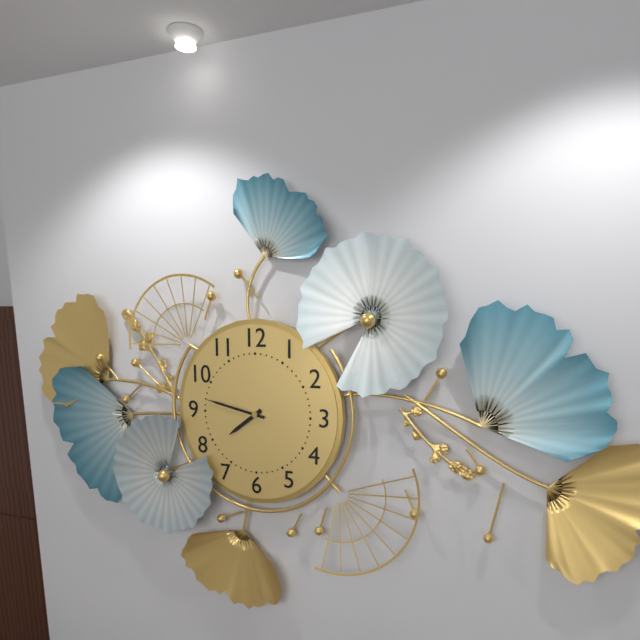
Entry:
7h47
